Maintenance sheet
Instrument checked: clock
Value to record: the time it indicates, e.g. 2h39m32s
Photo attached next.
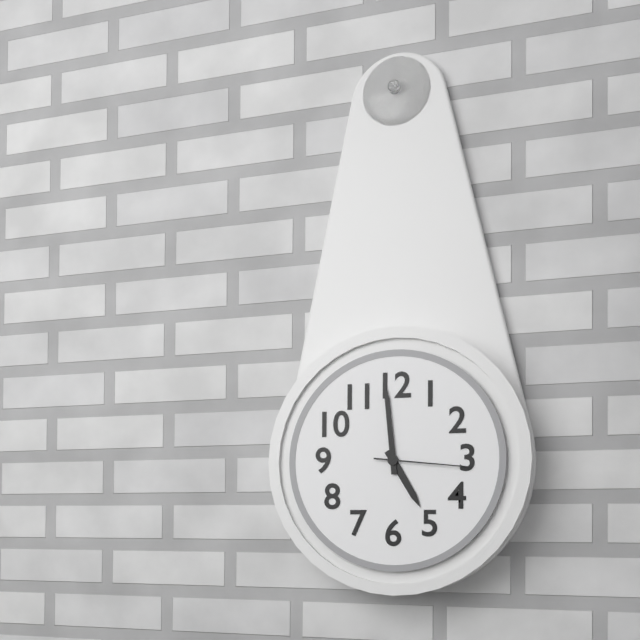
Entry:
4h59m16s
